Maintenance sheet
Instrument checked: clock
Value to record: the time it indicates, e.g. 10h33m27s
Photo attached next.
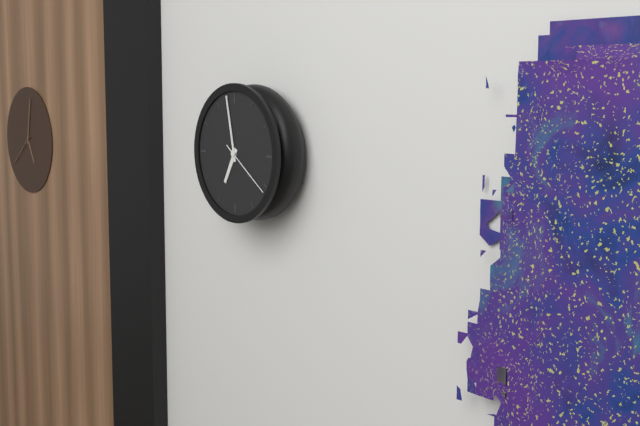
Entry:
6h58m21s
